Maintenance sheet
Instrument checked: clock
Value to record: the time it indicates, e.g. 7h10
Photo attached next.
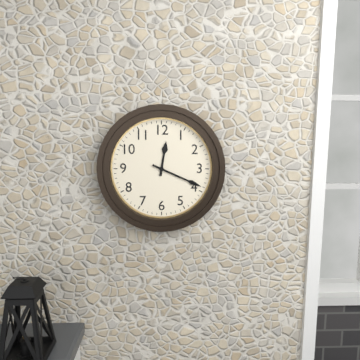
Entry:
12h19
